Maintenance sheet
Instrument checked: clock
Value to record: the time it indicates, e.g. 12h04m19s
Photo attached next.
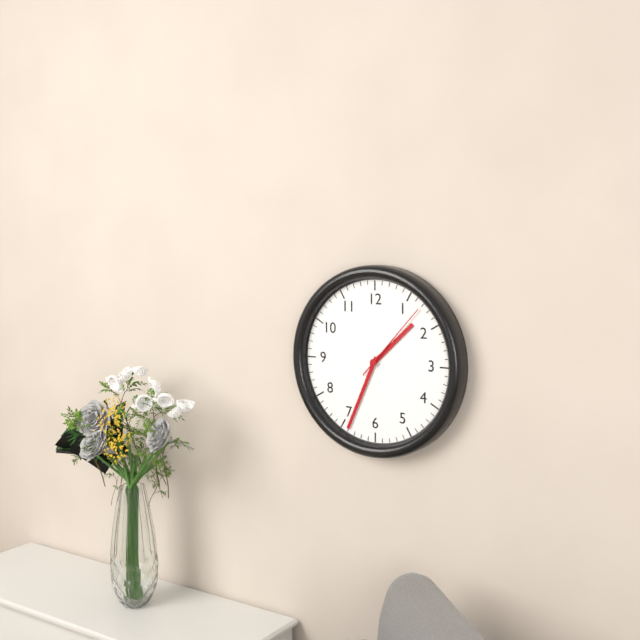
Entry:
1h34m07s
